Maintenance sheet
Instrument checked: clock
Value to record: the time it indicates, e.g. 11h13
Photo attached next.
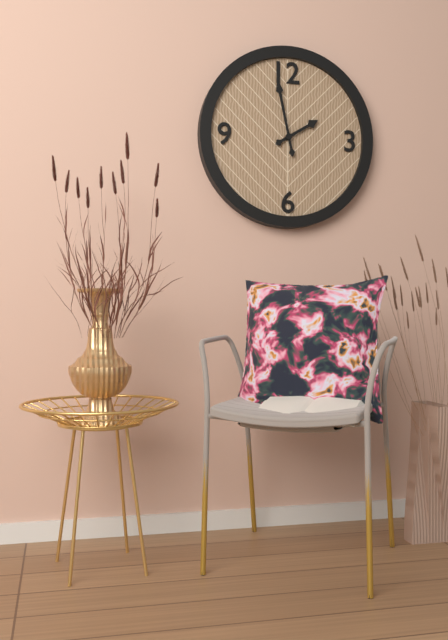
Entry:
1h58
